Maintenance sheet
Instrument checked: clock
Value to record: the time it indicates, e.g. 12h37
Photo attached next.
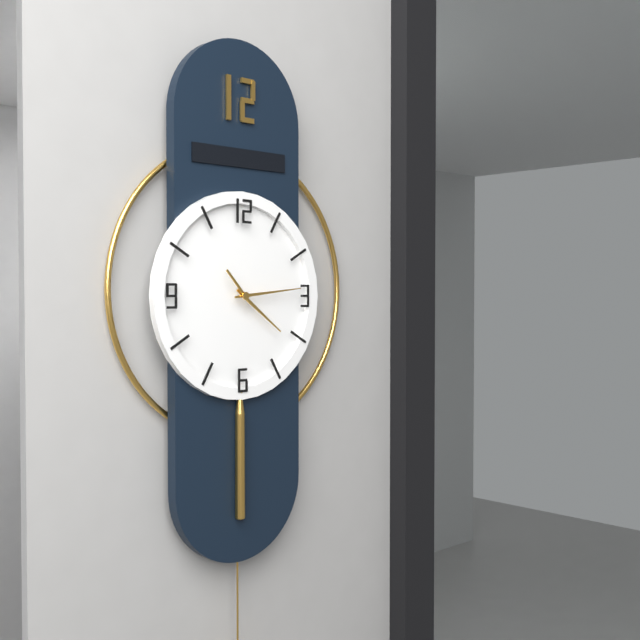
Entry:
4h14
